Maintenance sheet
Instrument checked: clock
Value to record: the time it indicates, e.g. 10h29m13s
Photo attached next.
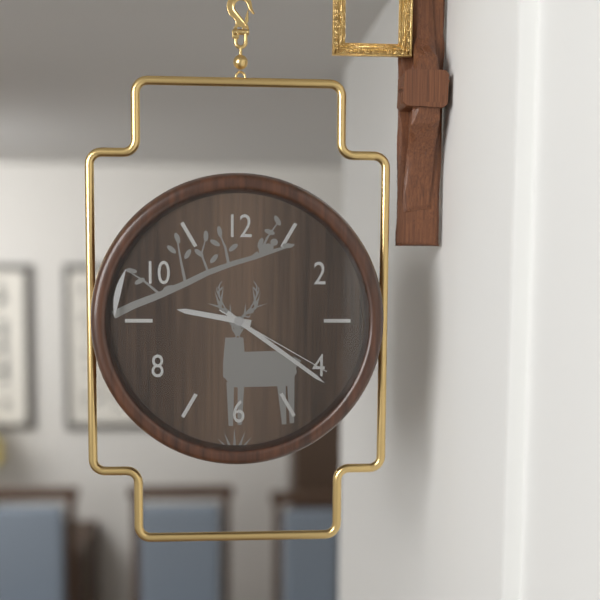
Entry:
9h21m20s
